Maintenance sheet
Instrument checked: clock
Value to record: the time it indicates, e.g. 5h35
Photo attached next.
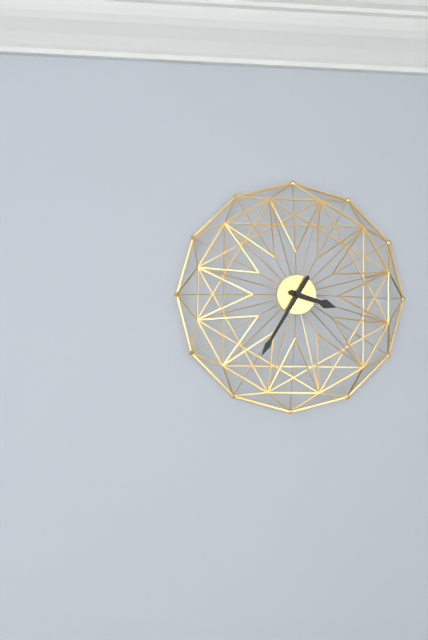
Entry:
3h35
